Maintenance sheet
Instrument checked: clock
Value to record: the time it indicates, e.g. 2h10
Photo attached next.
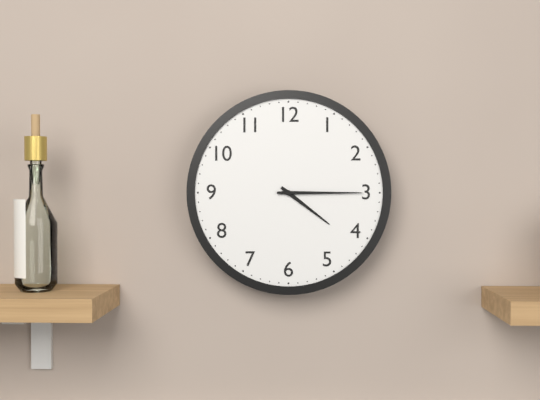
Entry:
4h15
